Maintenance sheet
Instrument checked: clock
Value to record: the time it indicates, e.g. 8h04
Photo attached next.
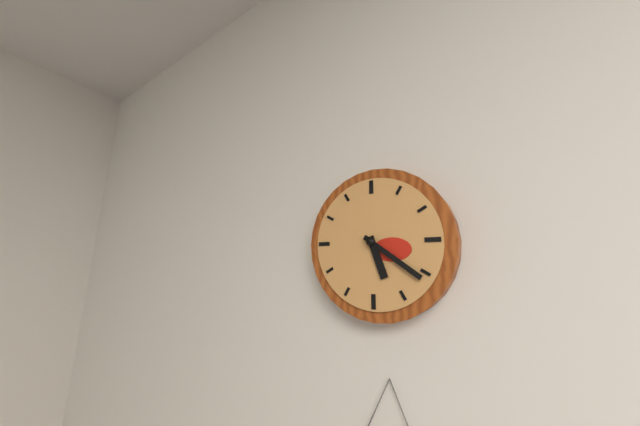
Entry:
5h21
